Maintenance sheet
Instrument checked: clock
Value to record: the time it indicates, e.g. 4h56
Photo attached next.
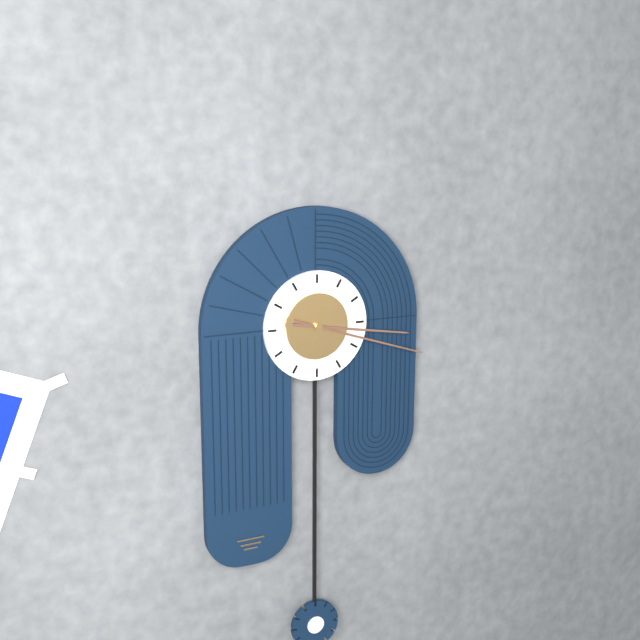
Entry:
3h18
